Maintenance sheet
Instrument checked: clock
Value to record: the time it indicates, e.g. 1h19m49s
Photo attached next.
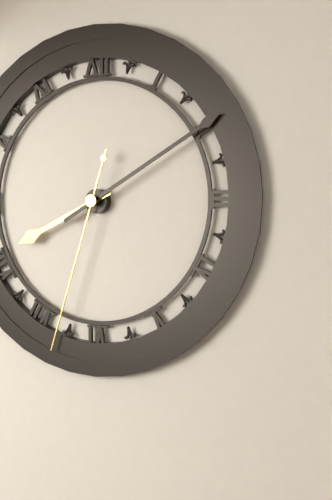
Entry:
8h10m33s
